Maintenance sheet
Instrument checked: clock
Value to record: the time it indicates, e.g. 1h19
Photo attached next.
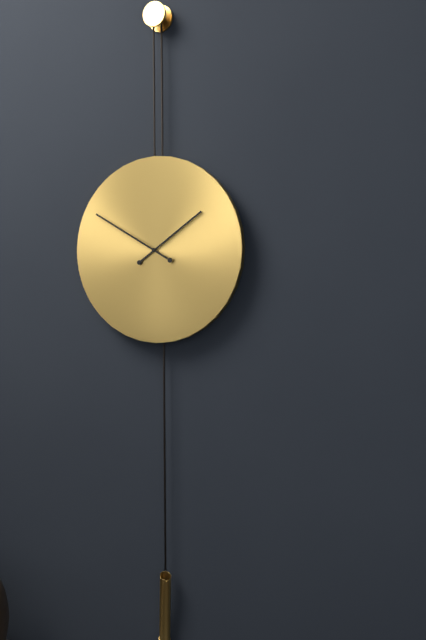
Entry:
1h50
